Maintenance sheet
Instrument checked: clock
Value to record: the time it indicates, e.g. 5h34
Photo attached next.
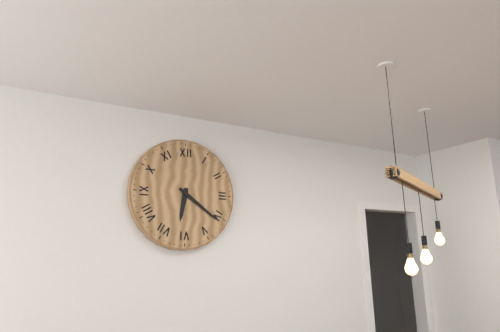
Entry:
6h21
